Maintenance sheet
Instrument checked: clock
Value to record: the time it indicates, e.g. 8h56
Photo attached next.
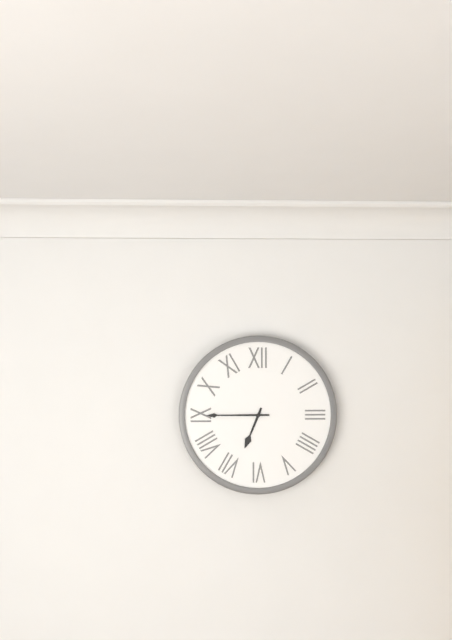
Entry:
6h45
